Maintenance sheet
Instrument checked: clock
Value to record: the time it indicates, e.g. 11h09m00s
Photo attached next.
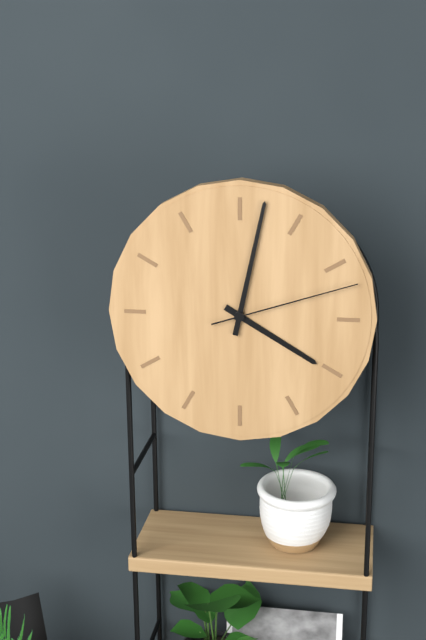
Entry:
4h02m12s
